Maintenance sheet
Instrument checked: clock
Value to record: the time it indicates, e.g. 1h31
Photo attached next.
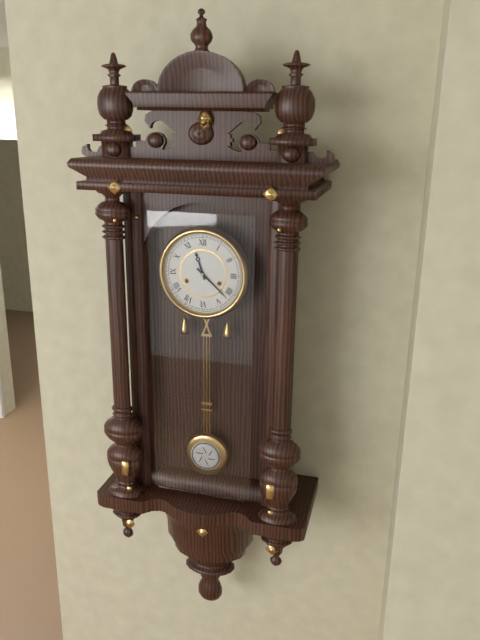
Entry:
11h22
